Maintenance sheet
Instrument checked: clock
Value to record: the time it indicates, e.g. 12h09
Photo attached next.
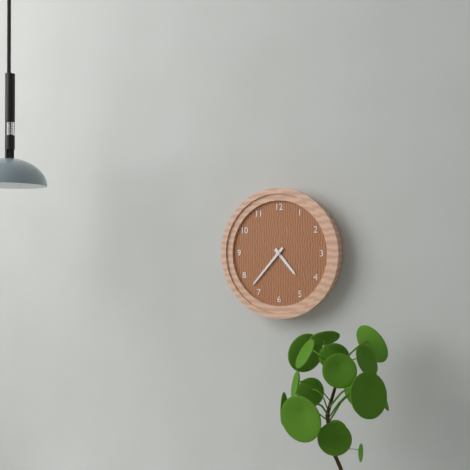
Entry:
4h37
